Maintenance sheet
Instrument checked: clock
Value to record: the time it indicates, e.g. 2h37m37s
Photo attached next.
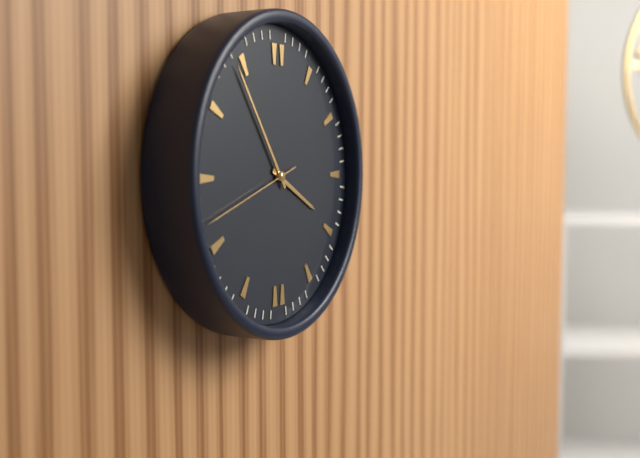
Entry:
3h54m42s
